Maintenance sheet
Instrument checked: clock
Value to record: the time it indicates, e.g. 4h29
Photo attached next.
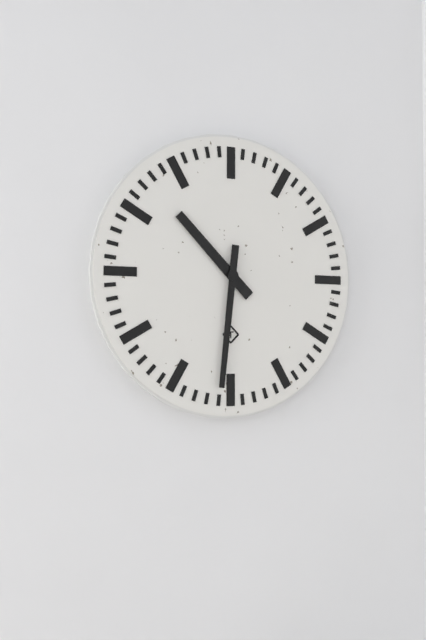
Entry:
10h31
